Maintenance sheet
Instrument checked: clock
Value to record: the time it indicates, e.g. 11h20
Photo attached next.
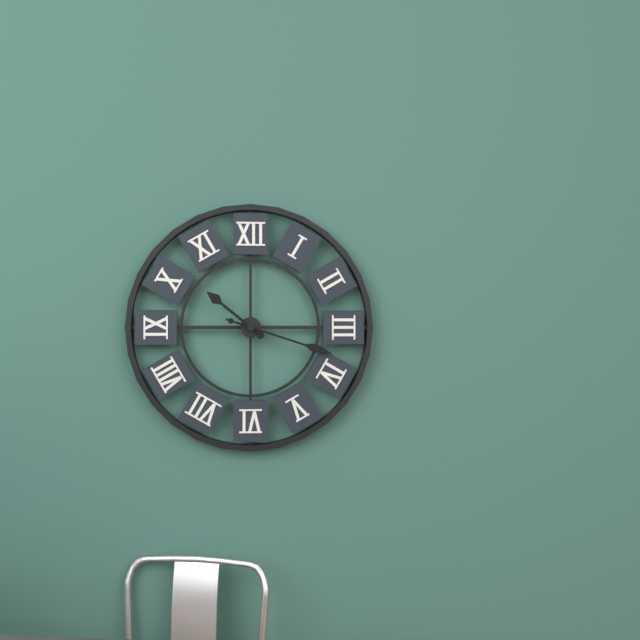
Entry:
10h18
